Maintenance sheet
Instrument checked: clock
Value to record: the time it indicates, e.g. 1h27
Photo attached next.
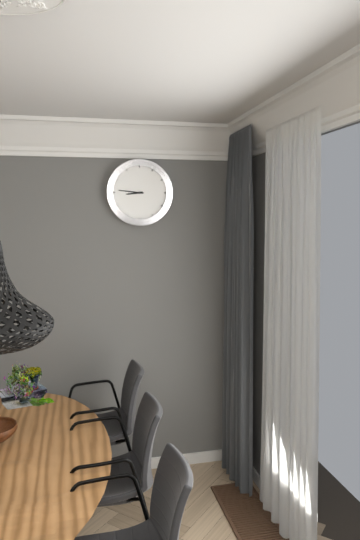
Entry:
8h46
